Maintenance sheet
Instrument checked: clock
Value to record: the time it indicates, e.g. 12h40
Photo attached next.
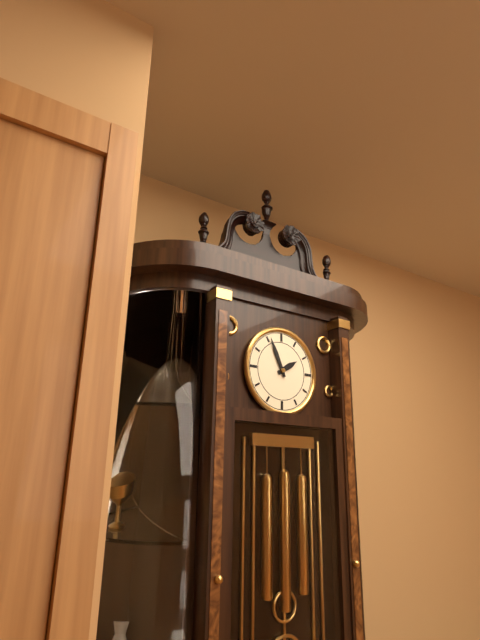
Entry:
1h56
